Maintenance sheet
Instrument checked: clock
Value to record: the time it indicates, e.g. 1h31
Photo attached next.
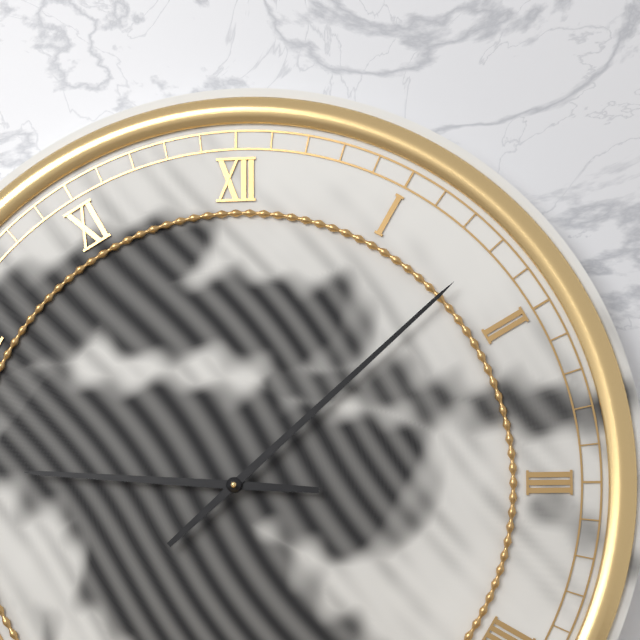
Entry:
9h08
